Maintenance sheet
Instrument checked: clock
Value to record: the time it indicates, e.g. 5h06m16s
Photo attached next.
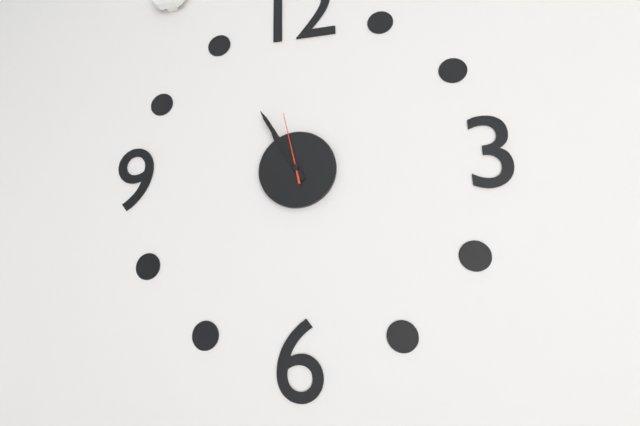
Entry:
10h55m58s
